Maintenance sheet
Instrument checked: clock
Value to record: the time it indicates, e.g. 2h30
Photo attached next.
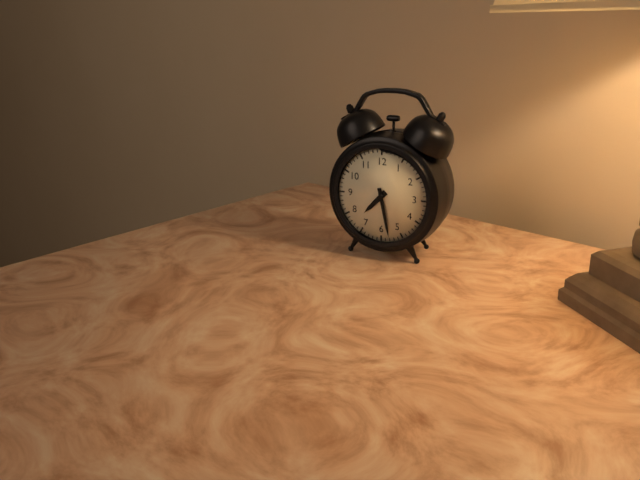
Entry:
7h28
